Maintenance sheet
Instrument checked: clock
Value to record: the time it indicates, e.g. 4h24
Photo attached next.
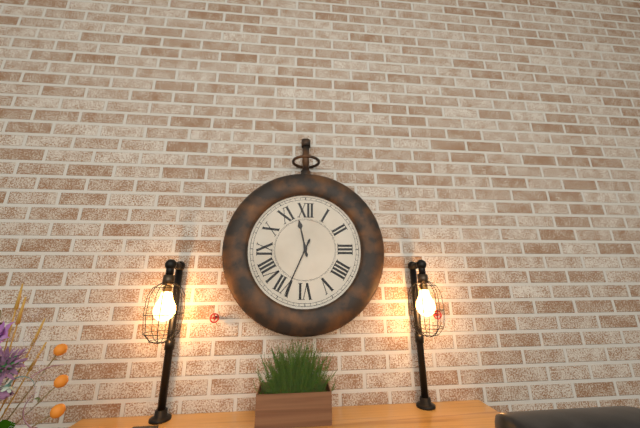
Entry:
11h34
